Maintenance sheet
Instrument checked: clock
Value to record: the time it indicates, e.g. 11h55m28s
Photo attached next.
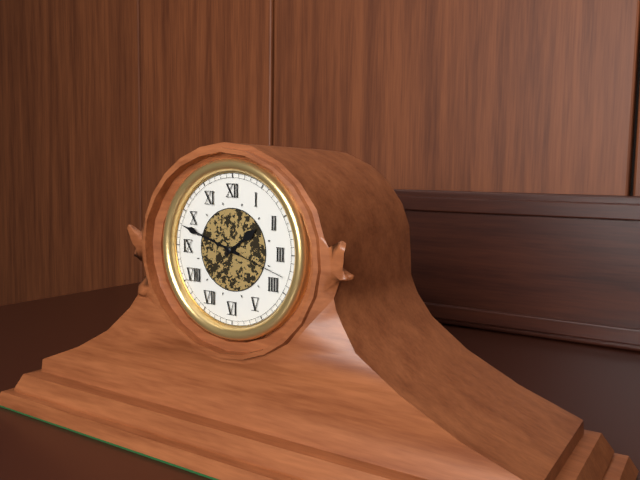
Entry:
1h48m18s
